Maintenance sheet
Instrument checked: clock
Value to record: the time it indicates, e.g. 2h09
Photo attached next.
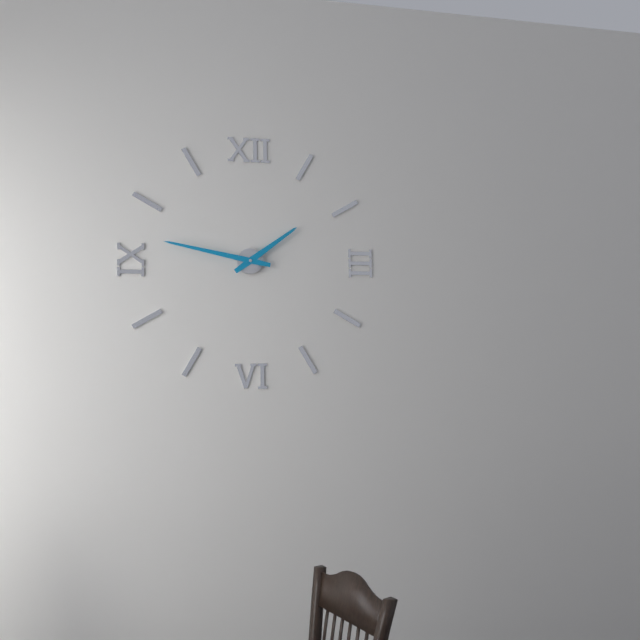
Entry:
1h47
